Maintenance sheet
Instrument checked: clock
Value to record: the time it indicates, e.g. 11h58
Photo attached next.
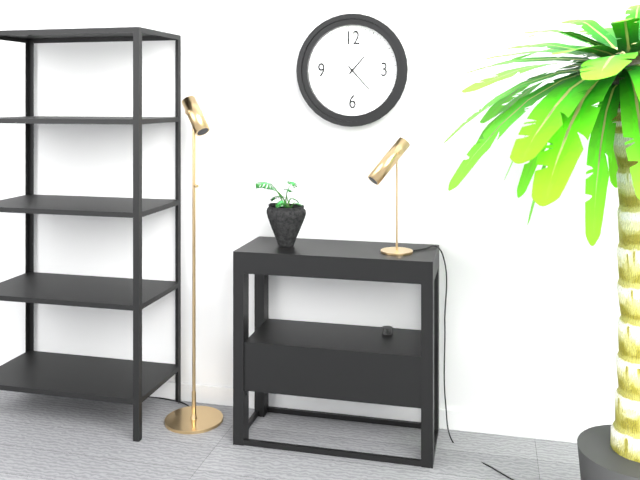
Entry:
1h23
